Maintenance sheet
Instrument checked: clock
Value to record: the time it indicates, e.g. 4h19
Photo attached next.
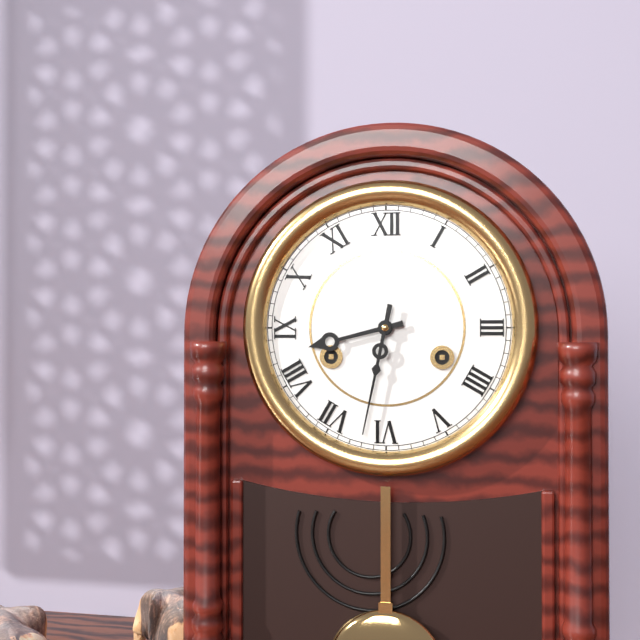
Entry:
8h32
